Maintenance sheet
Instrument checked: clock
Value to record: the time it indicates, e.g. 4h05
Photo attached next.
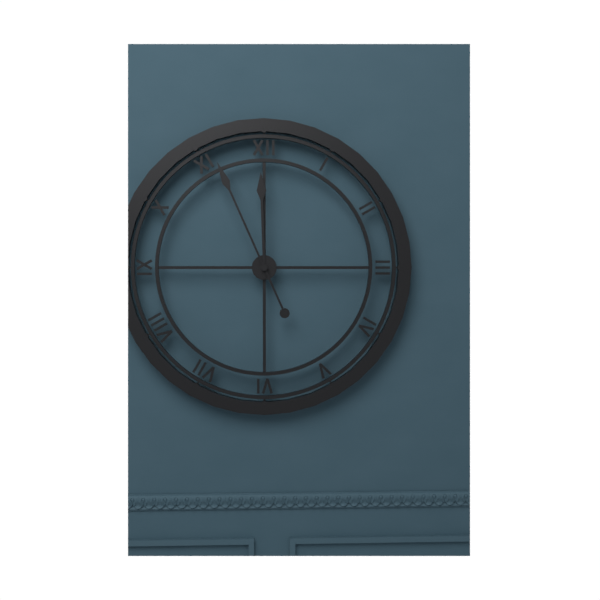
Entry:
11h56
